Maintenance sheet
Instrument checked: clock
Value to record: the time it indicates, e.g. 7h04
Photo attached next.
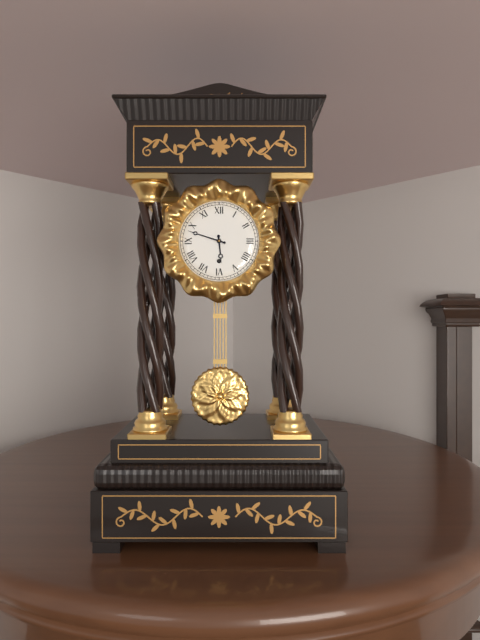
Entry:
5h48
